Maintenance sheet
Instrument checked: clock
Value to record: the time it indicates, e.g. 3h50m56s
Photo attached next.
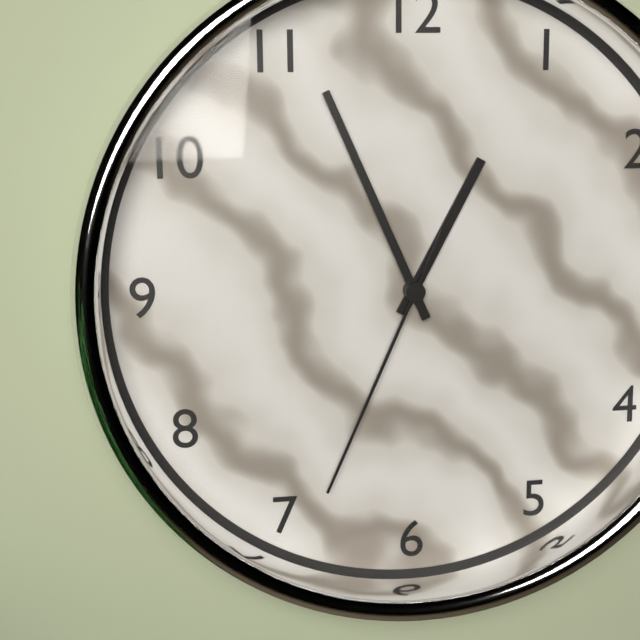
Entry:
12h56m34s
